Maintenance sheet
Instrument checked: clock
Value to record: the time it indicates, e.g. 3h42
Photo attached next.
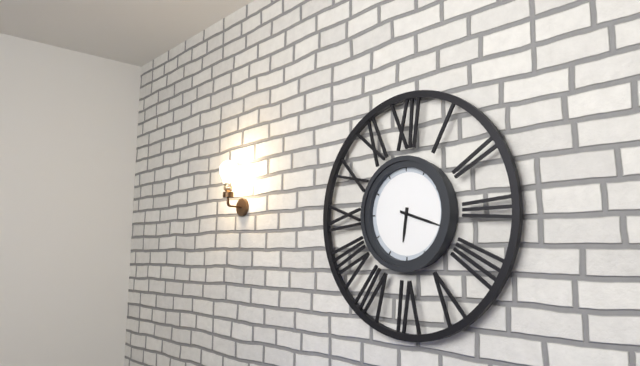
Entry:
6h18
